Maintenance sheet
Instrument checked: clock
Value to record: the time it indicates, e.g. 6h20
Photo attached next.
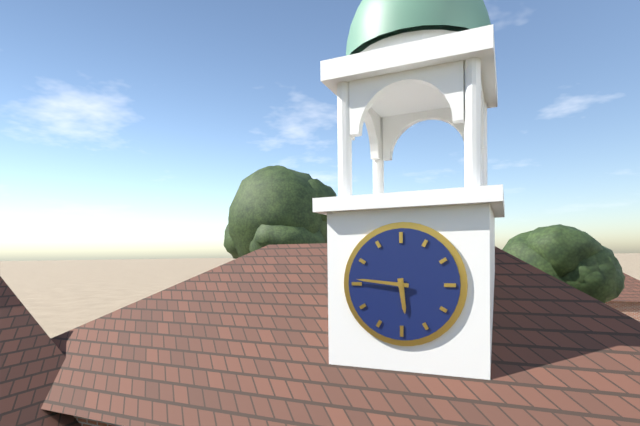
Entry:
5h46
